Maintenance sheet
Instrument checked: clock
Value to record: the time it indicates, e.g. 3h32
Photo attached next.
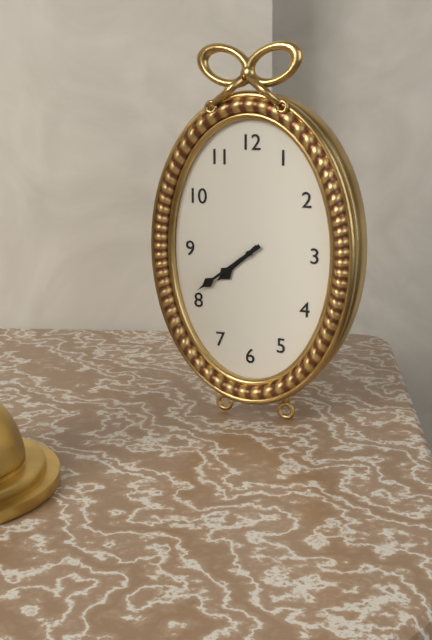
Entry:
7h39
